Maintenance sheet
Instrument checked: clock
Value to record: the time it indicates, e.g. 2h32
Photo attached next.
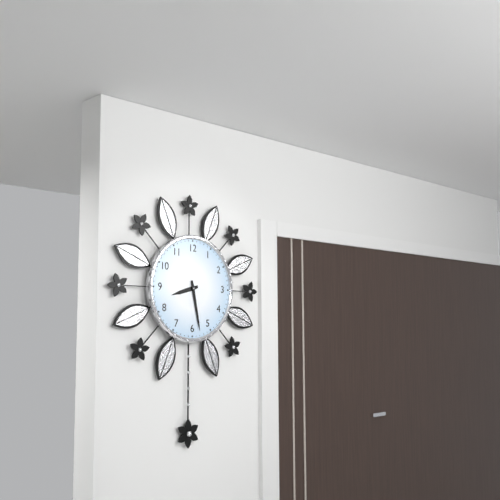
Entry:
8h28
